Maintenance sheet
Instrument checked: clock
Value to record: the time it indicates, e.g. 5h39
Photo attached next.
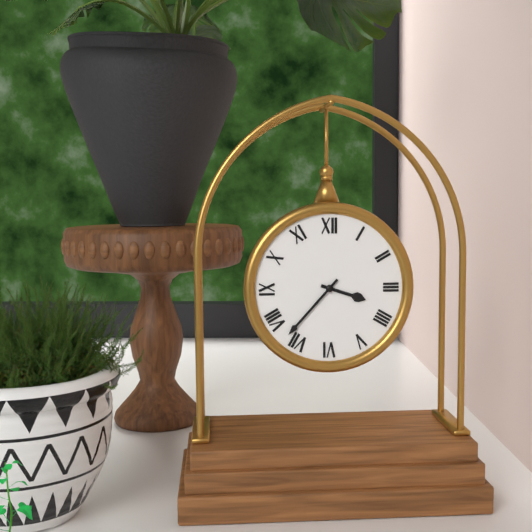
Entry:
3h37
